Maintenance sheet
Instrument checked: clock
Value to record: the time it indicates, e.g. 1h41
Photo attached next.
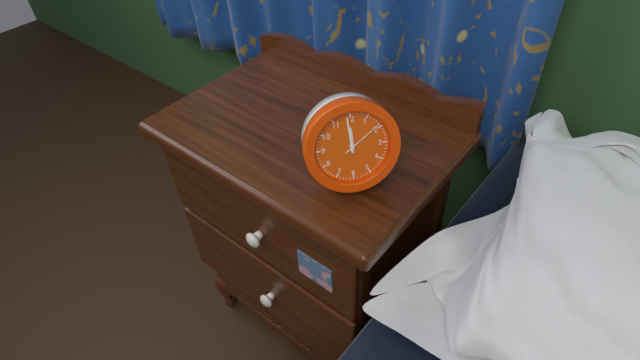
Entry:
11h59
